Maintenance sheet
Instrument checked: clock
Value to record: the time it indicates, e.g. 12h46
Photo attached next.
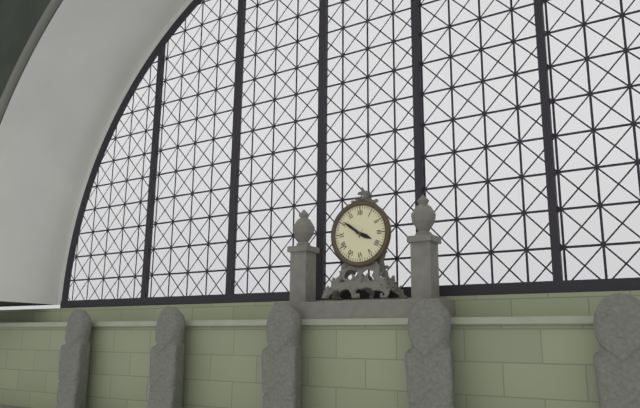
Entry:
3h51
